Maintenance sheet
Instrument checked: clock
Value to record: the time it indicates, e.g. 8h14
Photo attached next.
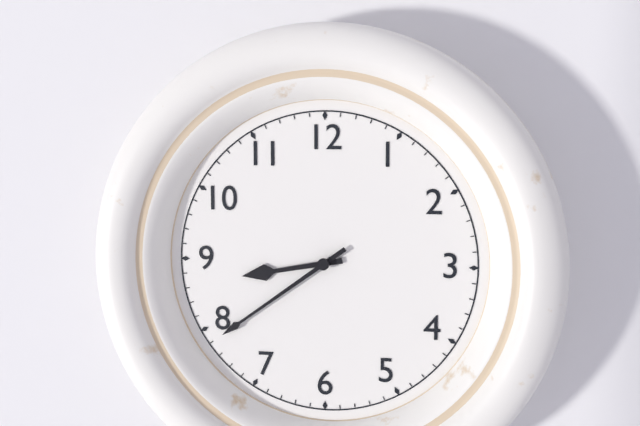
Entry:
8h39
